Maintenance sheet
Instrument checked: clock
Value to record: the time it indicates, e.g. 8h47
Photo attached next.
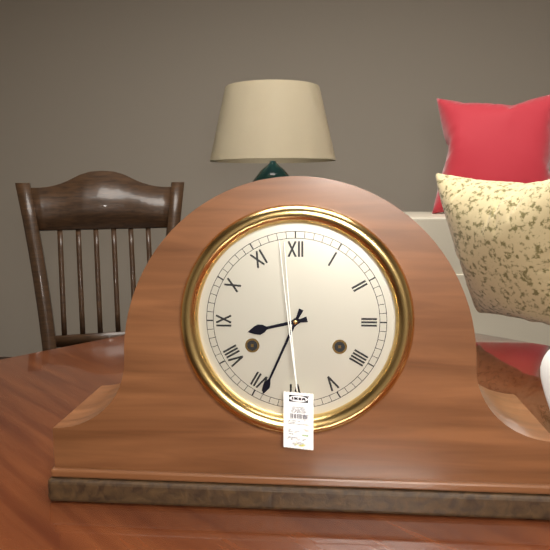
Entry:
8h34
